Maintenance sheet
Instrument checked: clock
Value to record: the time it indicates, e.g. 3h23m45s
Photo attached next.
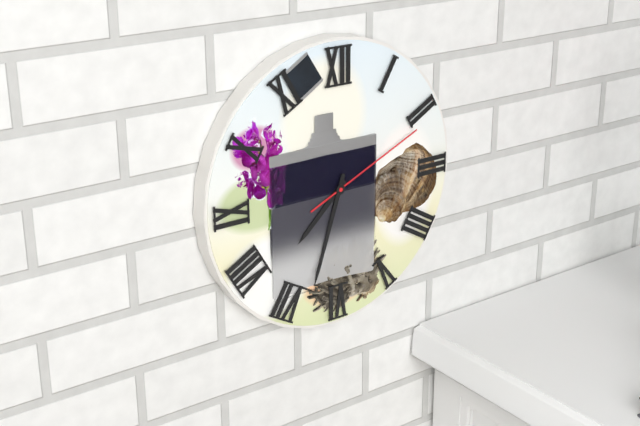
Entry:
7h33m11s
